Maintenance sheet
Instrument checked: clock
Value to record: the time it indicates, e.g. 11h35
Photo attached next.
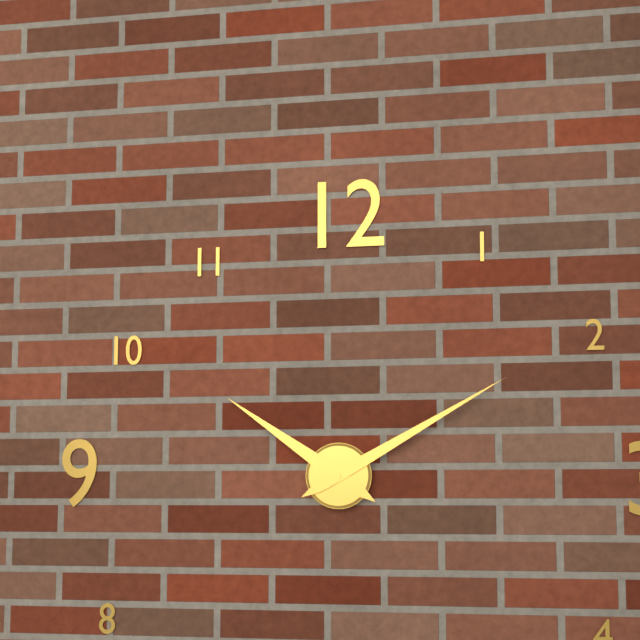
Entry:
10h10
